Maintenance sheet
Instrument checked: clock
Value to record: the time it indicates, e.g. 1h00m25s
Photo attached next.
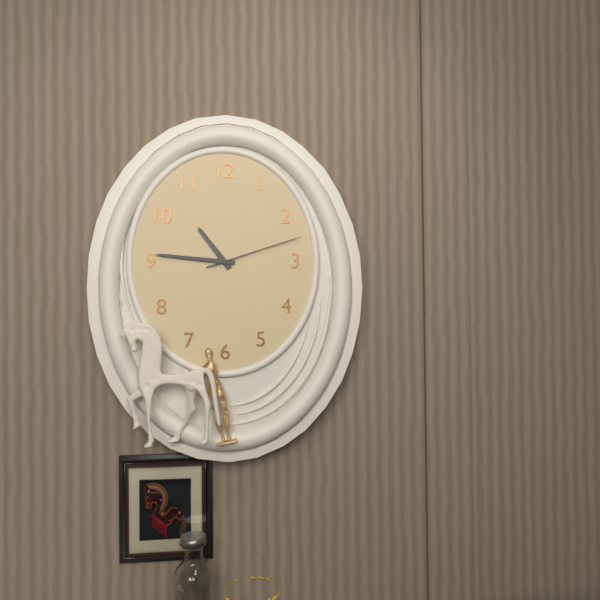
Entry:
10h46m12s
